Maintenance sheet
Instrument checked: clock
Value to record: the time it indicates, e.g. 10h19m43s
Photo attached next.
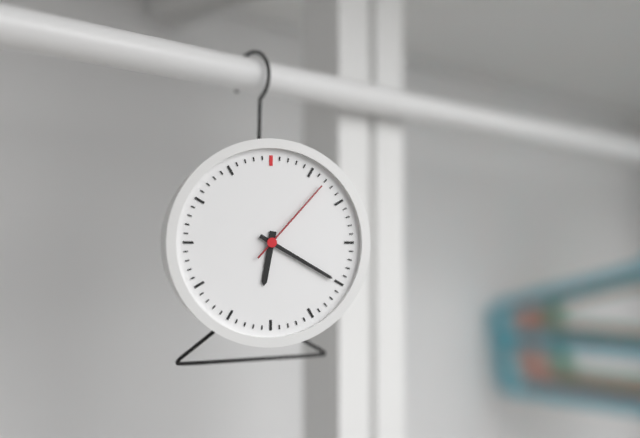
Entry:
6h20m07s
